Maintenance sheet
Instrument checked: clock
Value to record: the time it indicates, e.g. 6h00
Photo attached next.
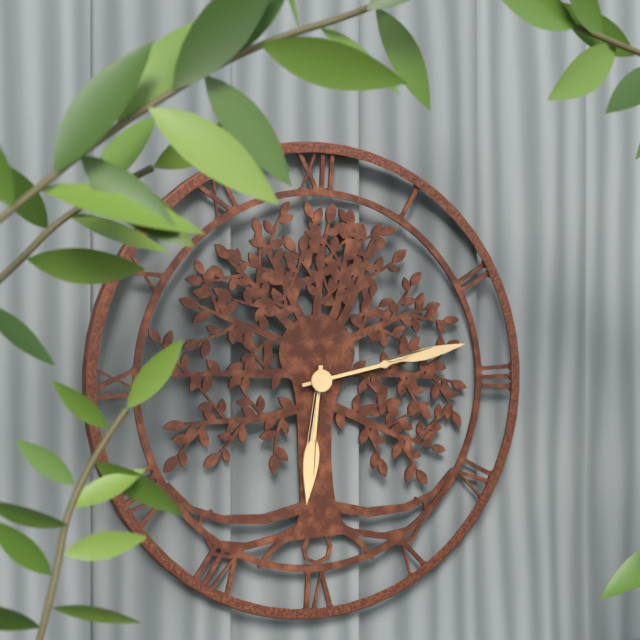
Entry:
6h13
